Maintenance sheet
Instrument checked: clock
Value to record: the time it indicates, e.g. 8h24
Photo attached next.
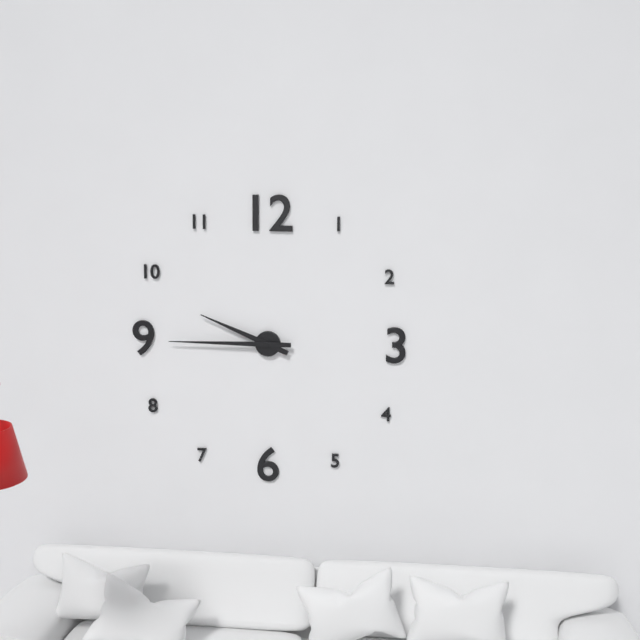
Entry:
9h45
